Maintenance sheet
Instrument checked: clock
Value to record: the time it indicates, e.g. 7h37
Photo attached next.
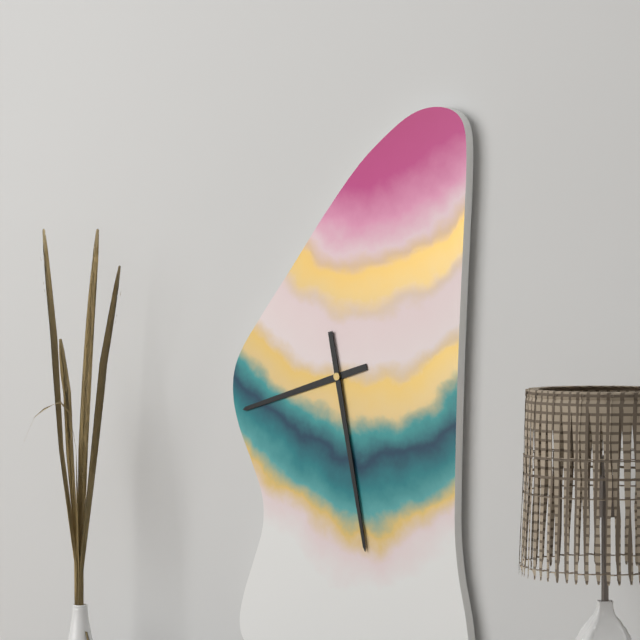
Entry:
8h28
